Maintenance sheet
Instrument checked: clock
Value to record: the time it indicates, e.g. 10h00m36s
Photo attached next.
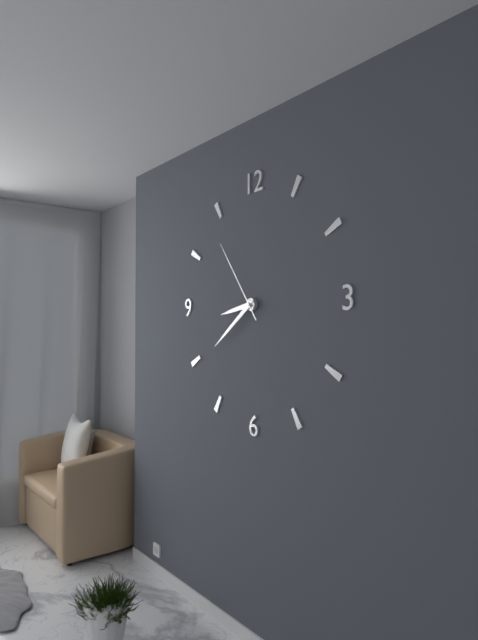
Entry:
8h39m54s
